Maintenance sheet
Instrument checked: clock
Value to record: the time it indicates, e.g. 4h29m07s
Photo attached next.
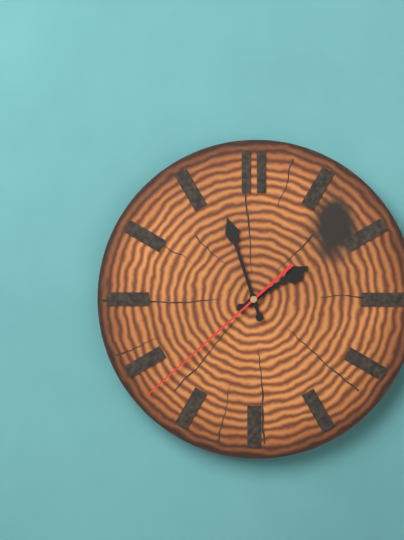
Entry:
1h57m38s
